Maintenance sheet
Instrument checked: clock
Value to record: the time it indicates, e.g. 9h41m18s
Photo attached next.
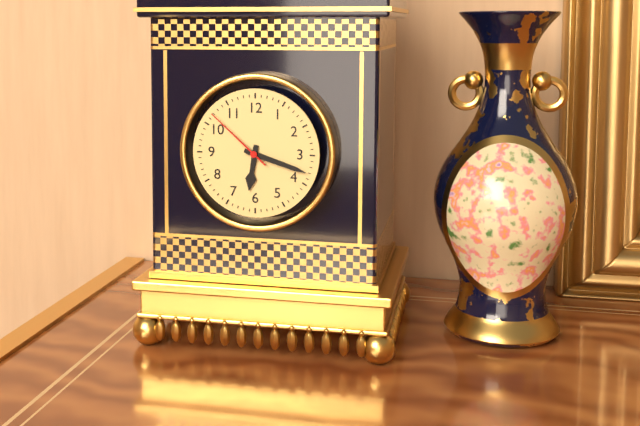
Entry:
6h18m52s
